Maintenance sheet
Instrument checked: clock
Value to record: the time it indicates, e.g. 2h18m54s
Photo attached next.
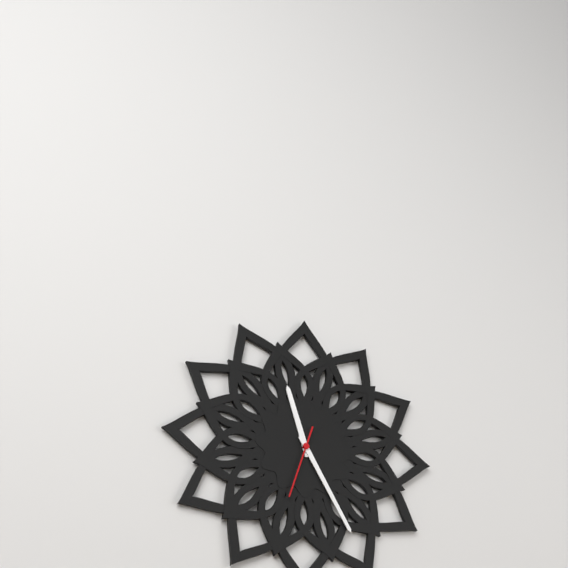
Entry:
11h25m33s
